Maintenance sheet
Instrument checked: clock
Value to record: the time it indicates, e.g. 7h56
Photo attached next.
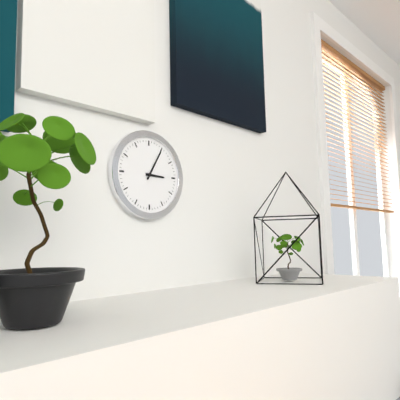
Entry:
3h05
